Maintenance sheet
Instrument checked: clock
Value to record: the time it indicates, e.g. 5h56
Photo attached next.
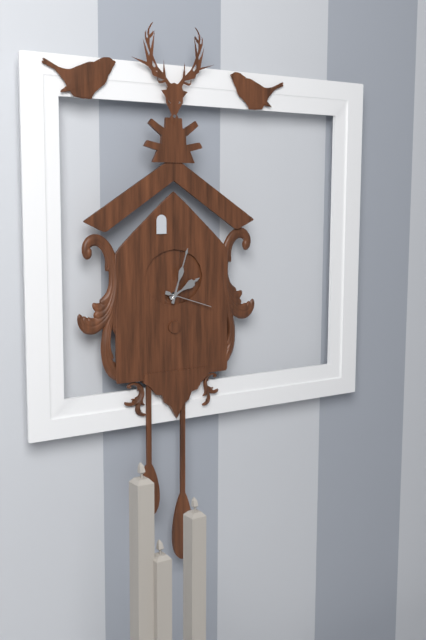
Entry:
2h03
